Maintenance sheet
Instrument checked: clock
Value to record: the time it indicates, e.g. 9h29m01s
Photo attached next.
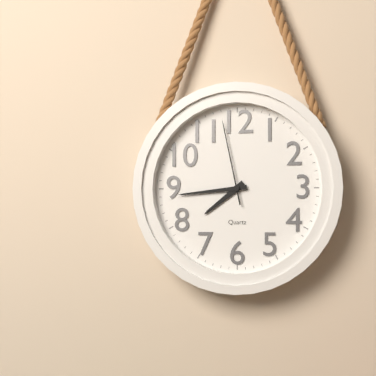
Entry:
7h44m58s
